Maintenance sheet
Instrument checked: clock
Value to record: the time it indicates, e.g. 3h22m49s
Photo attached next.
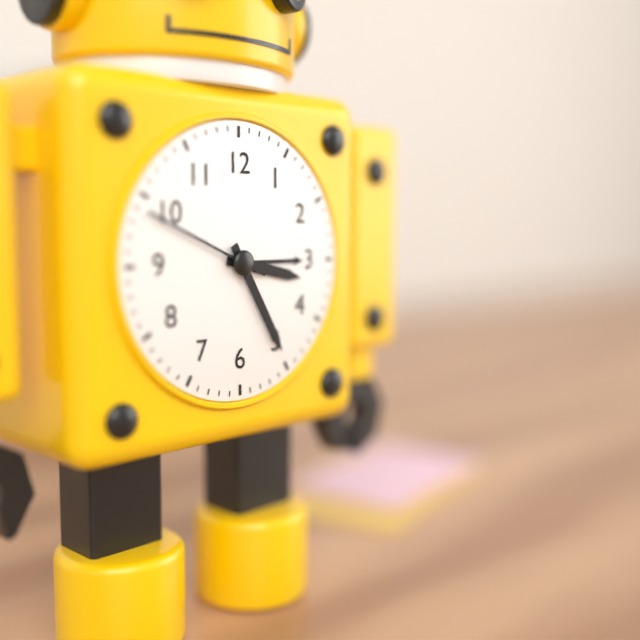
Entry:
3h25m49s
